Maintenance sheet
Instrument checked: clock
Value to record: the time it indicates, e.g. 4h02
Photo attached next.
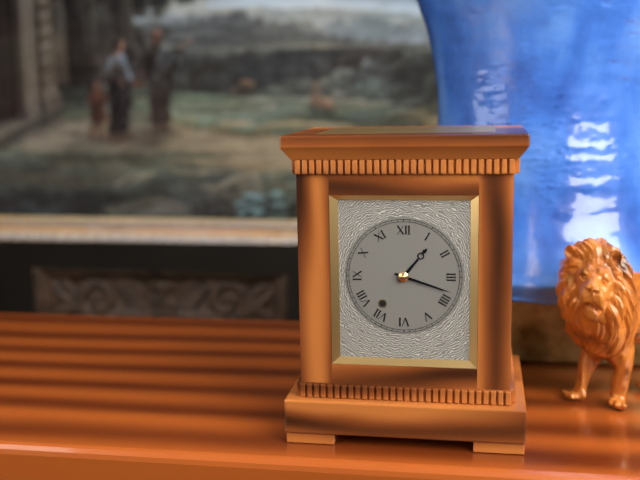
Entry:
1h18
